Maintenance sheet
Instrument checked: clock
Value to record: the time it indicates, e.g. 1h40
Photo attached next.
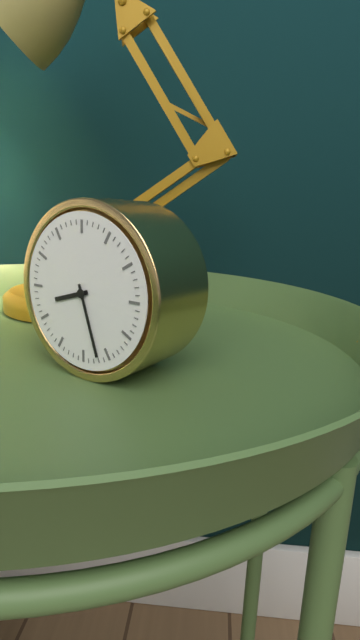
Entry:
8h27
